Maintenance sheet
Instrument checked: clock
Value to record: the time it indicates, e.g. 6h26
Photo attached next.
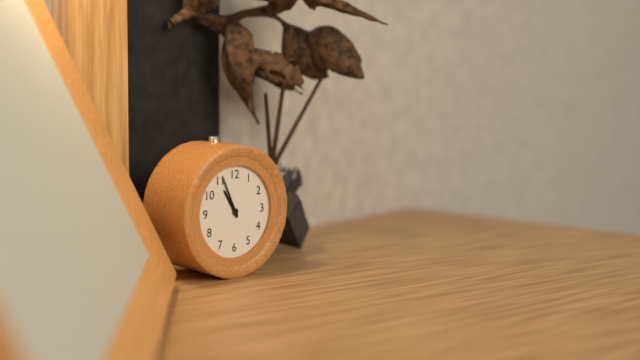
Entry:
10h56
